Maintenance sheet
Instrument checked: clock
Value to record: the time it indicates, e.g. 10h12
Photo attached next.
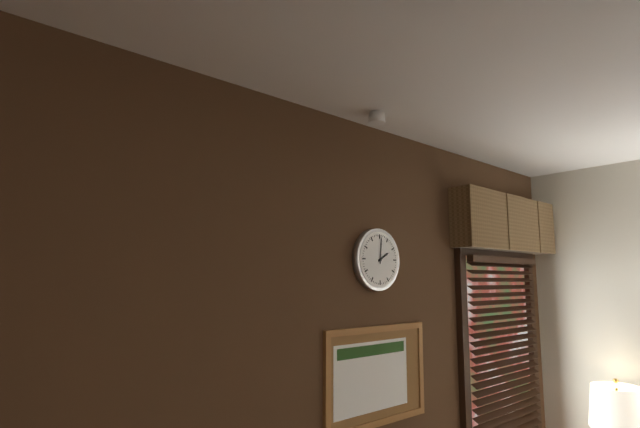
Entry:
2h01
